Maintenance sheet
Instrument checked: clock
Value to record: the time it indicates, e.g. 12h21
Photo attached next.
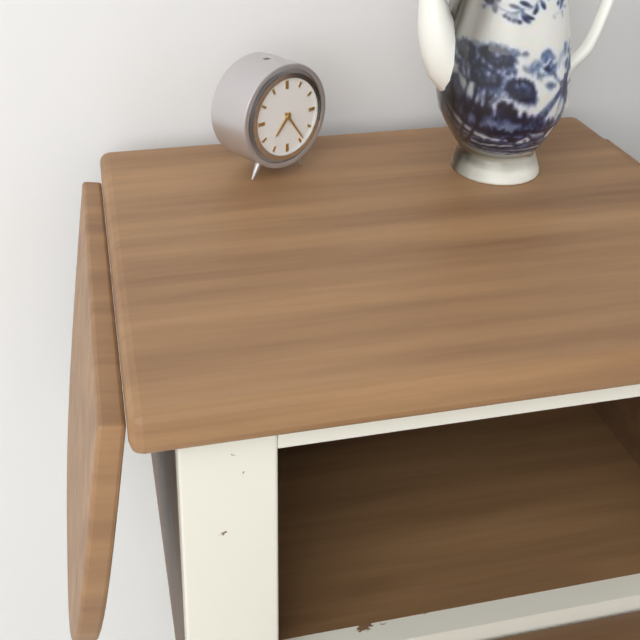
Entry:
7h24
